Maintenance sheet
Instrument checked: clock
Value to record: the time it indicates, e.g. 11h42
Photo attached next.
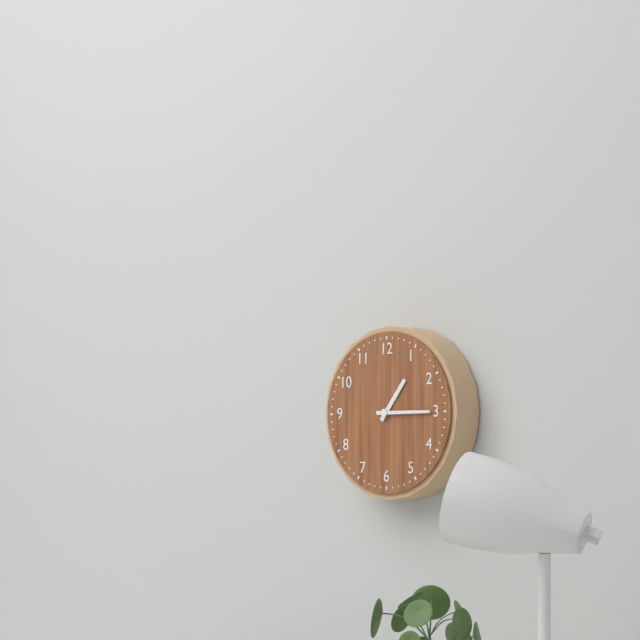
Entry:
1h15
